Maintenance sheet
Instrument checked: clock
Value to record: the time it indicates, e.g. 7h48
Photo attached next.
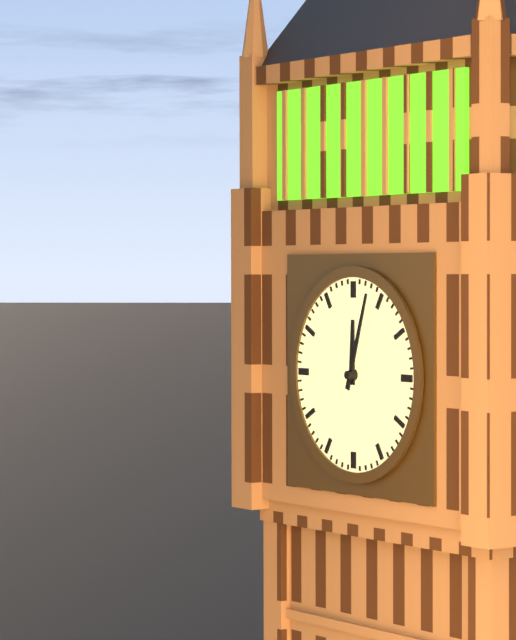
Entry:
12h03
